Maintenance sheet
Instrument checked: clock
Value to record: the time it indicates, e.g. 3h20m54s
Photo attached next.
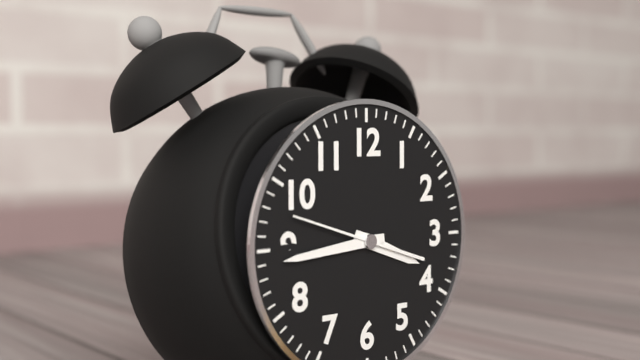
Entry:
3h44m48s
